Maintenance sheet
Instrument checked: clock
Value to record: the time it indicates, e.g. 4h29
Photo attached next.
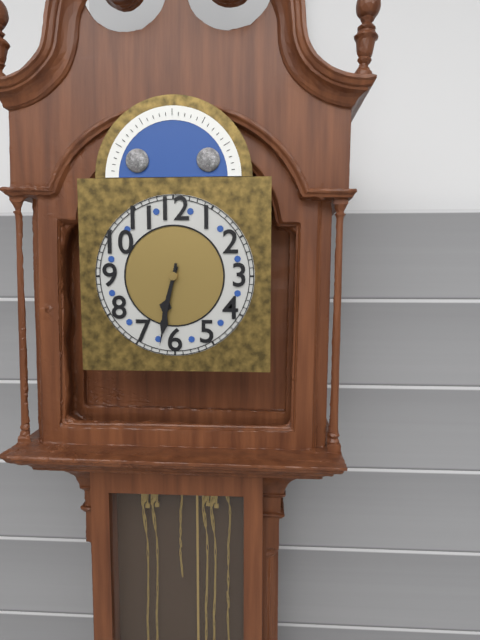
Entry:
6h32
